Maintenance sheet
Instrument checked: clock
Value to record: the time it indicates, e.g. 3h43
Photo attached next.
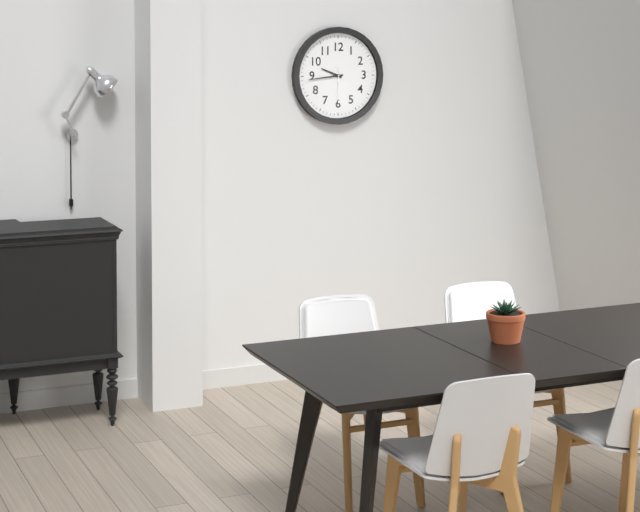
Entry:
9h44
